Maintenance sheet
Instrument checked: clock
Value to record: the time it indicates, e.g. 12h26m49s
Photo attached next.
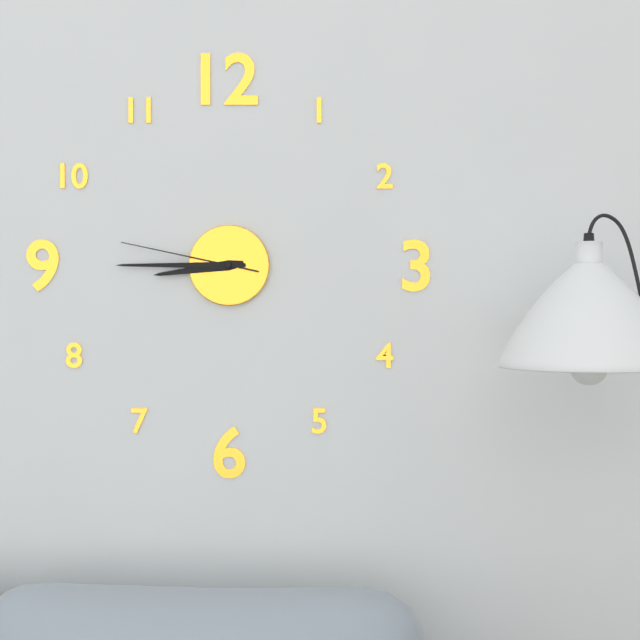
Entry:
8h45m47s
